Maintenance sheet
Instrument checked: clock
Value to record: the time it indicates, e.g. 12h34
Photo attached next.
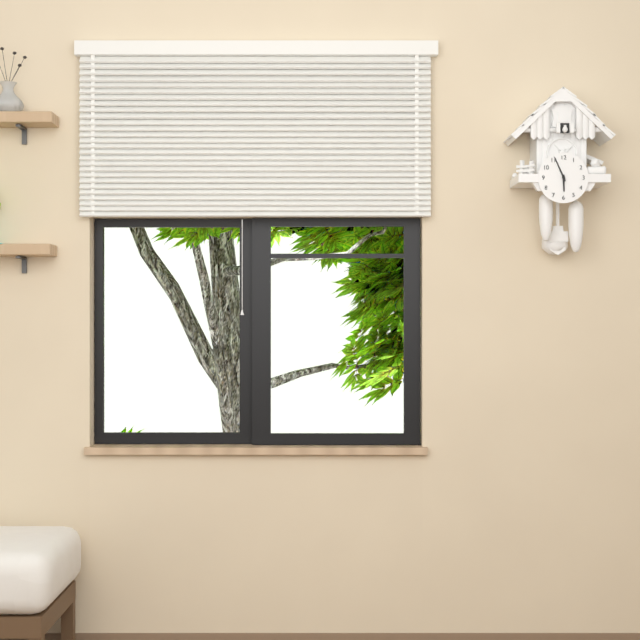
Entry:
5h56
